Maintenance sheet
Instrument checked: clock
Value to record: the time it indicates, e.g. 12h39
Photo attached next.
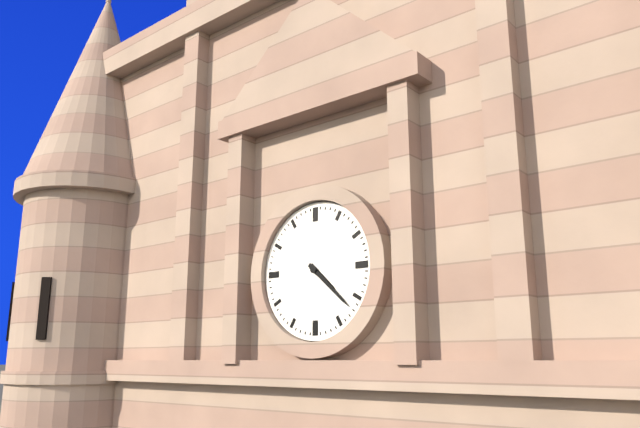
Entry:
4h22
